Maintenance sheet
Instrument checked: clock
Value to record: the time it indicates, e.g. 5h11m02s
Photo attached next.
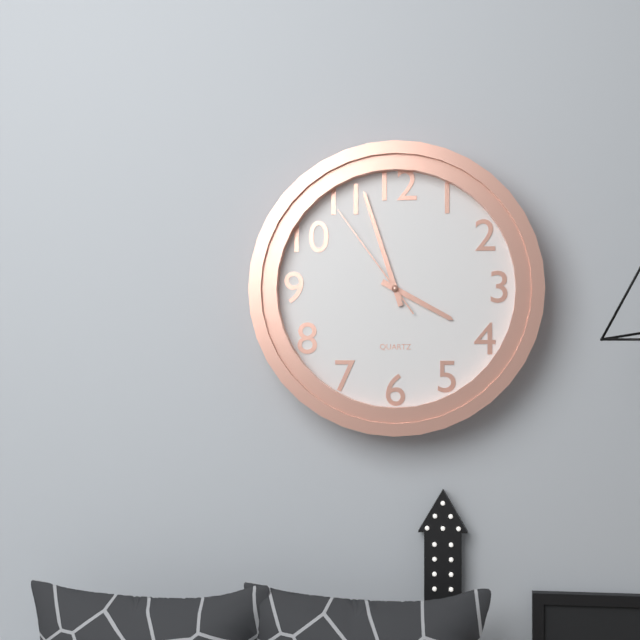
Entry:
3h57m54s
